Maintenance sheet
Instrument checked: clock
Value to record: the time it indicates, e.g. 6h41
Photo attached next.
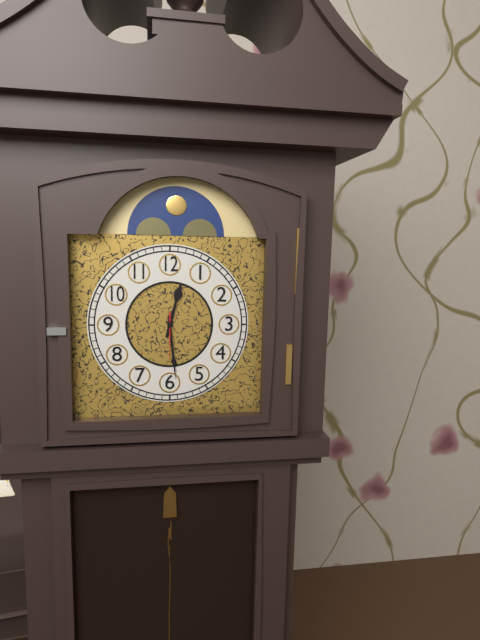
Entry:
12h29
